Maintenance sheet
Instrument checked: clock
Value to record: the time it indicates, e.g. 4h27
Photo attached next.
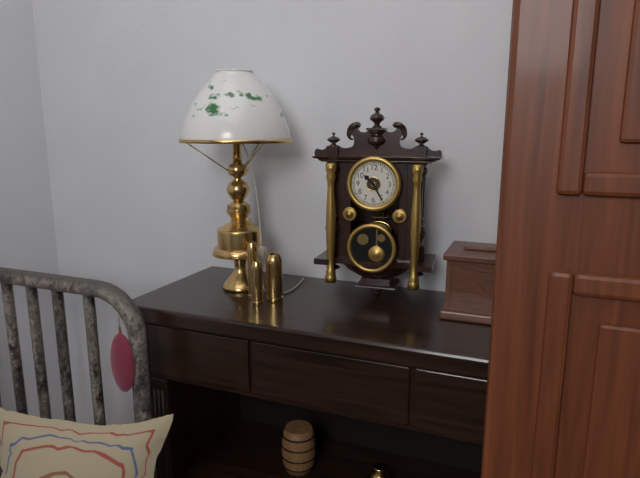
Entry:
10h25
